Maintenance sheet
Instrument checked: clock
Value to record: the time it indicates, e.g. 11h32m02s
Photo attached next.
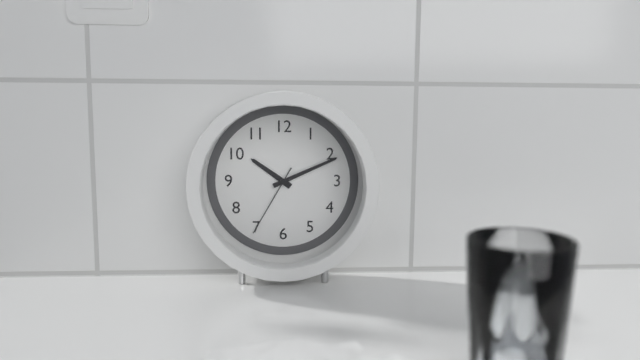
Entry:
10h11m35s
